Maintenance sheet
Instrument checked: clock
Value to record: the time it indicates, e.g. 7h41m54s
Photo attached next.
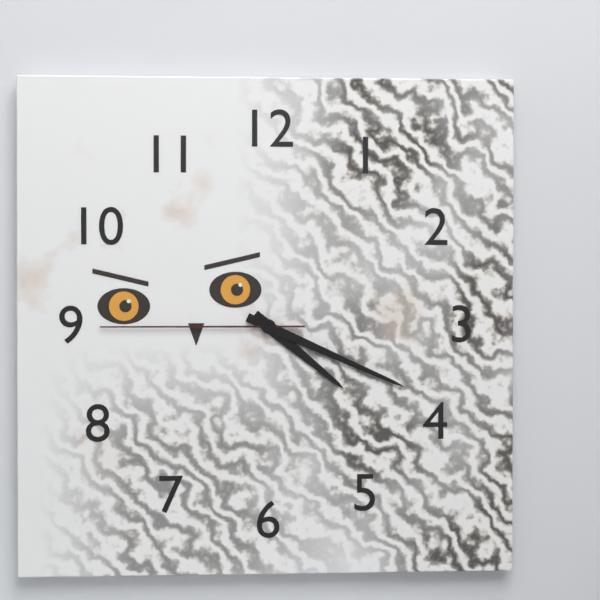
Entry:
4h19m45s
